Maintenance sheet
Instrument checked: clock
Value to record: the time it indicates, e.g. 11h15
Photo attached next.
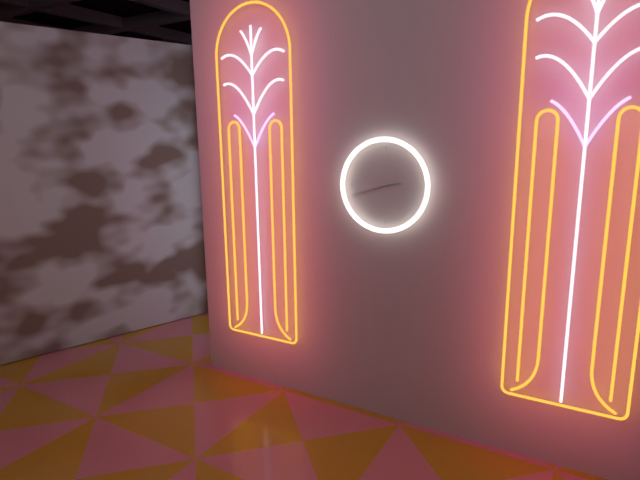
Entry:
2h42
